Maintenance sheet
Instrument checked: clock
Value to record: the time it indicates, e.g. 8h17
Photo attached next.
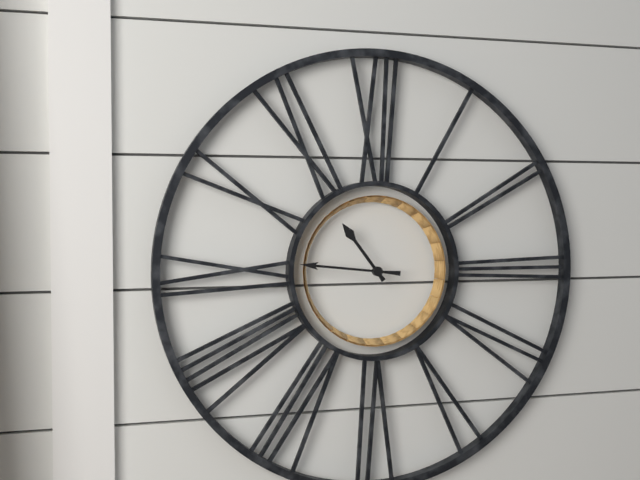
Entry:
10h46
